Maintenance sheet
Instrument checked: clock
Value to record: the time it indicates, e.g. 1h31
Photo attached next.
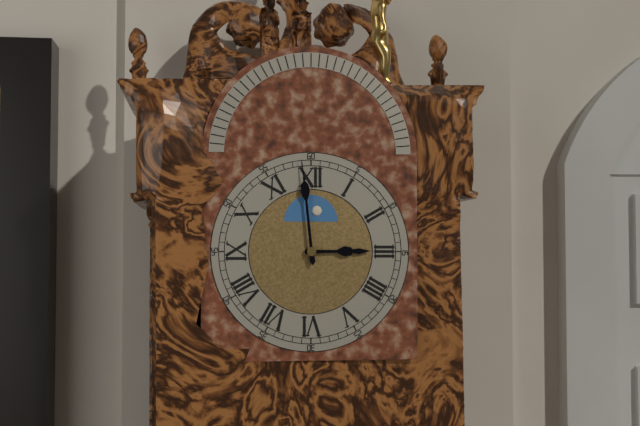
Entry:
2h59
